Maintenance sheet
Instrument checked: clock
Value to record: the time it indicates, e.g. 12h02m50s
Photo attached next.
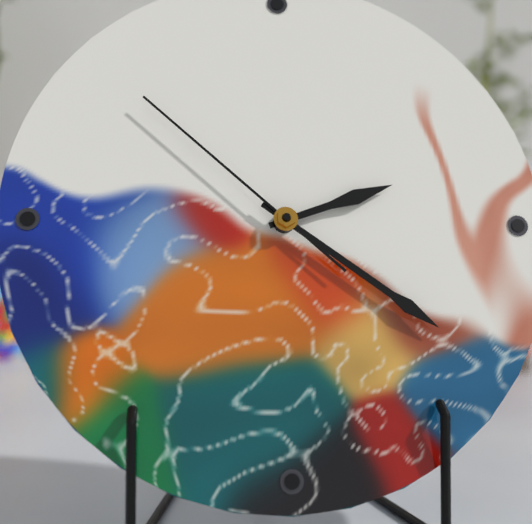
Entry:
2h21m52s
